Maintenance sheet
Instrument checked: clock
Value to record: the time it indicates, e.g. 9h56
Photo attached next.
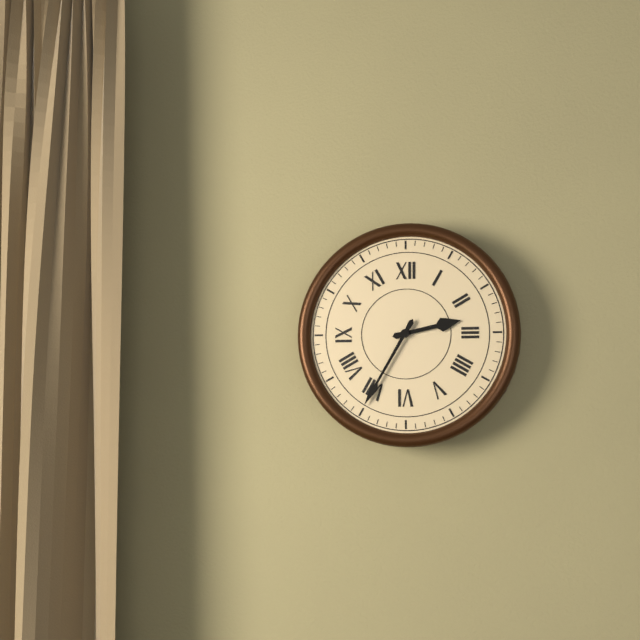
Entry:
2h35
